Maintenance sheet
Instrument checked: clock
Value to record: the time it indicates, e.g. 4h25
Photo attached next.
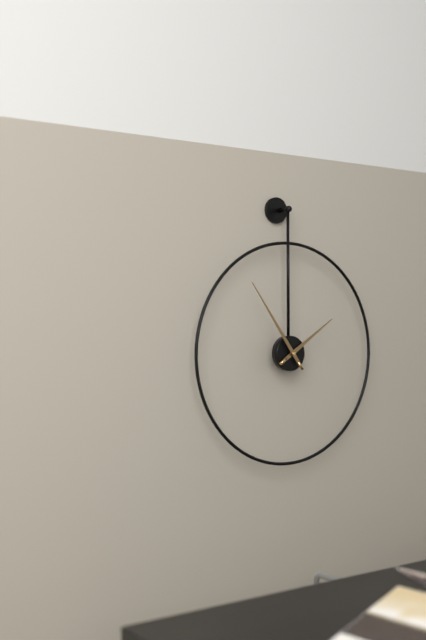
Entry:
1h54
